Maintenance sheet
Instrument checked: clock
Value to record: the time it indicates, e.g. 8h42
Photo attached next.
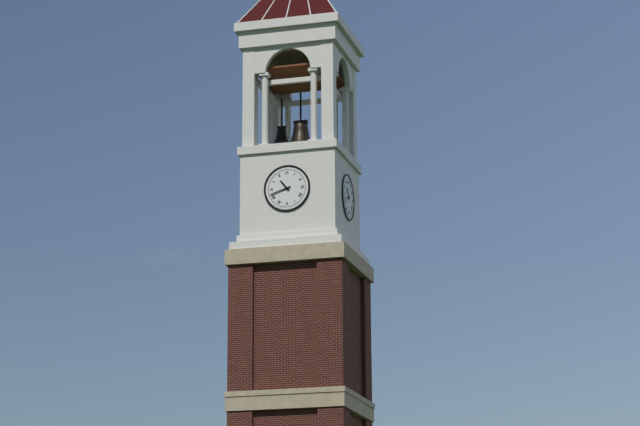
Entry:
10h42
